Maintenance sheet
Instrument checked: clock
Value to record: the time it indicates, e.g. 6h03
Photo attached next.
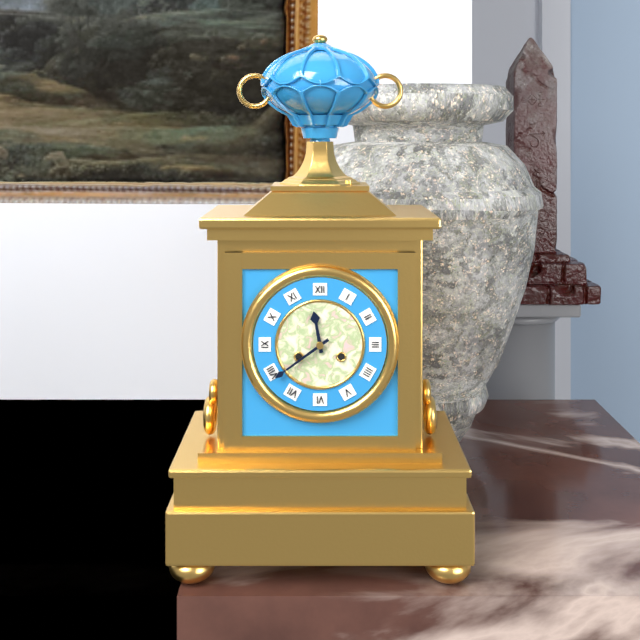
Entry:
11h39
